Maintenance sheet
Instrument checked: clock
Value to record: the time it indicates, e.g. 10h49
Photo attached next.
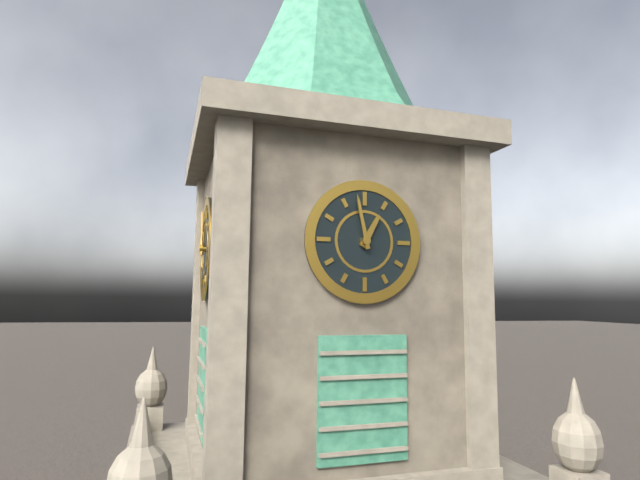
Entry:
12h58
